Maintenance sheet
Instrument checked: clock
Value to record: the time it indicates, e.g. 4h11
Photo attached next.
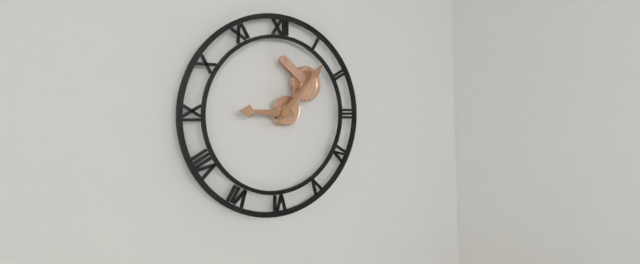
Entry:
9h07
